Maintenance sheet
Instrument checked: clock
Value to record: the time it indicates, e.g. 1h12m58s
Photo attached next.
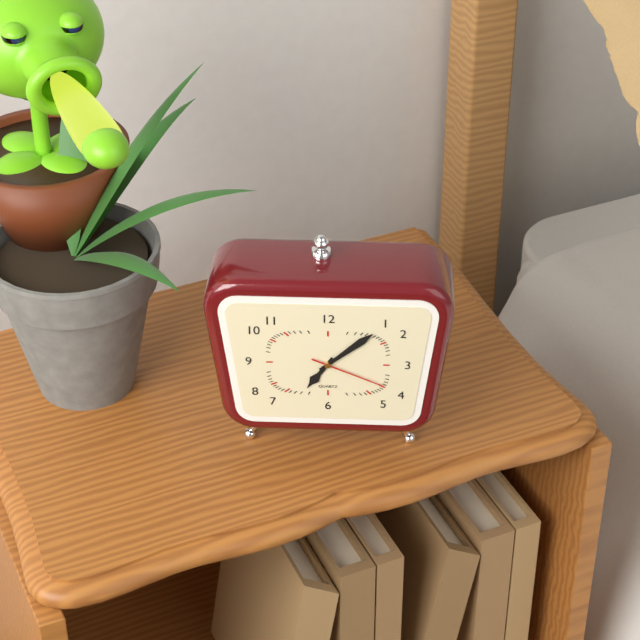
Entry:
7h08m19s
